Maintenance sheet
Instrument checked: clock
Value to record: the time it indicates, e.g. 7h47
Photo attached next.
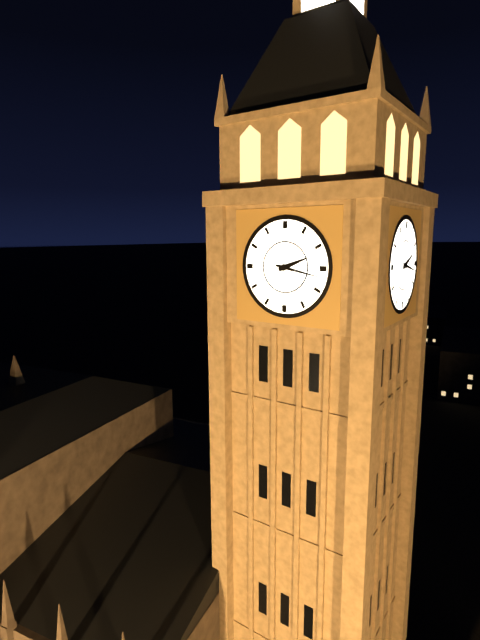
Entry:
2h17
